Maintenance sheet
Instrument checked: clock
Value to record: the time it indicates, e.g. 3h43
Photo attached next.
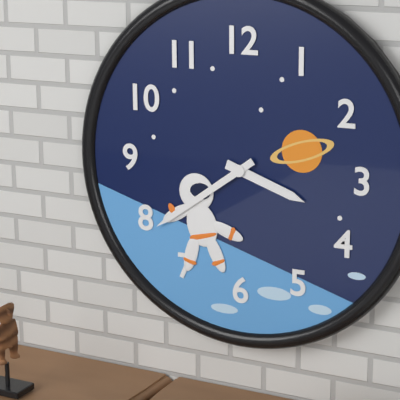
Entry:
3h39
